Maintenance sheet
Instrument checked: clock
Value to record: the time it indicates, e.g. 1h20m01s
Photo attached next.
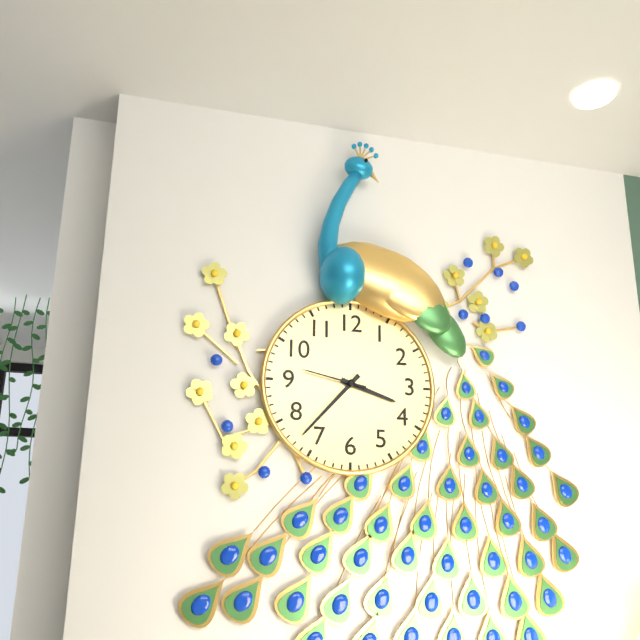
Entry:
3h37m47s
